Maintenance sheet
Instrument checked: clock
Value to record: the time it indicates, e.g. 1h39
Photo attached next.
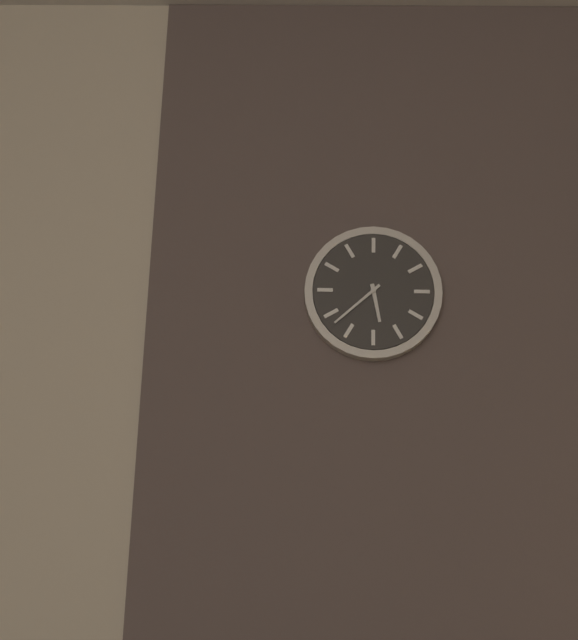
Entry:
5h38
